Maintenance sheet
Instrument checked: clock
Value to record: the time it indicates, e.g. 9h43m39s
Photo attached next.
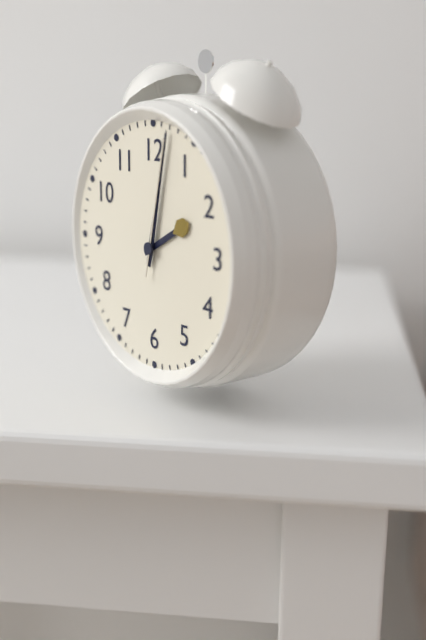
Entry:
2h02m02s
